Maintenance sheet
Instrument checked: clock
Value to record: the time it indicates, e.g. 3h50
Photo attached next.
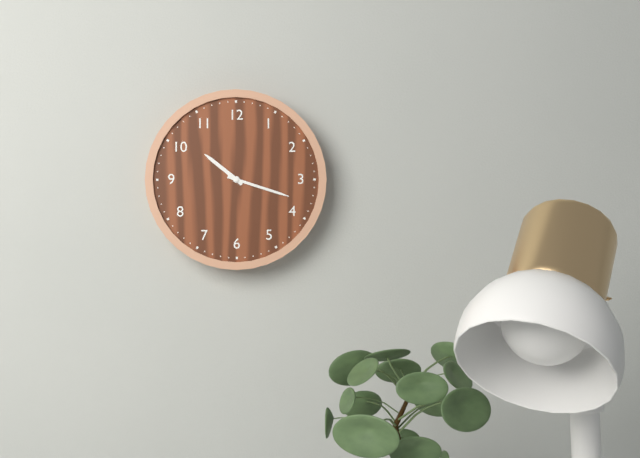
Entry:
10h18
